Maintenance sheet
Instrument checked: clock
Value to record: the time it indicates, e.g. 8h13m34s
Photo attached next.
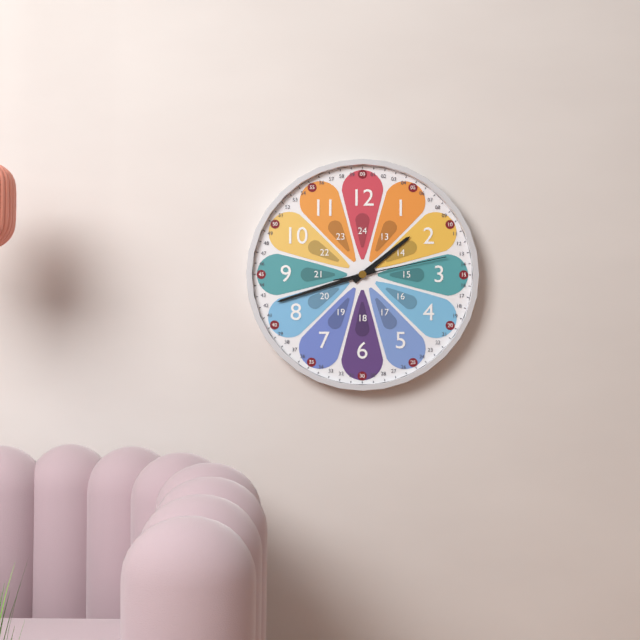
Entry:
1h42m13s
